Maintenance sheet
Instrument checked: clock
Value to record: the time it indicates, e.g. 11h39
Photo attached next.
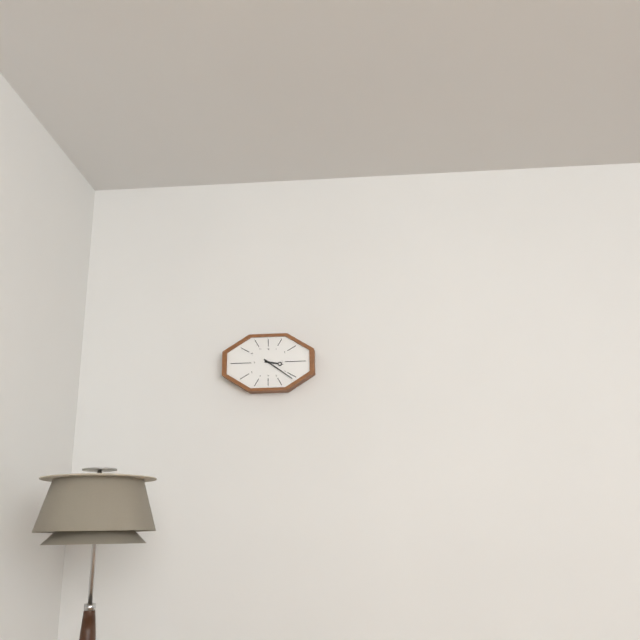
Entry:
3h21
